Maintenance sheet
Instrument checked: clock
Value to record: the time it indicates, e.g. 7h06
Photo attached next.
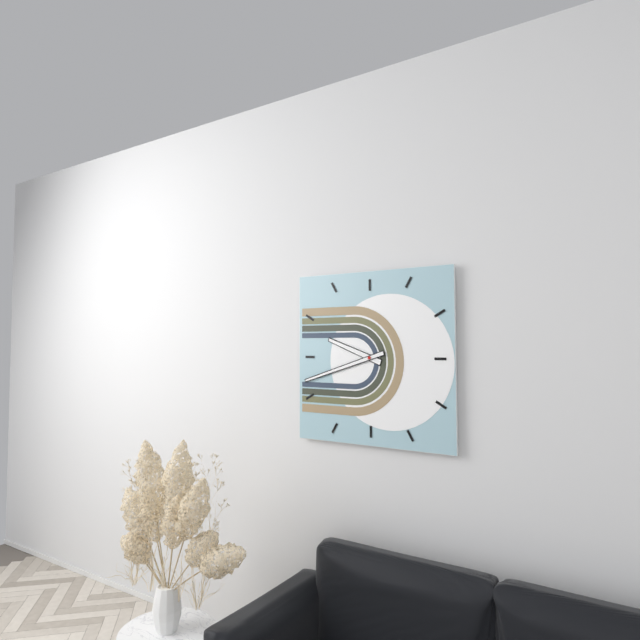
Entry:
9h42
